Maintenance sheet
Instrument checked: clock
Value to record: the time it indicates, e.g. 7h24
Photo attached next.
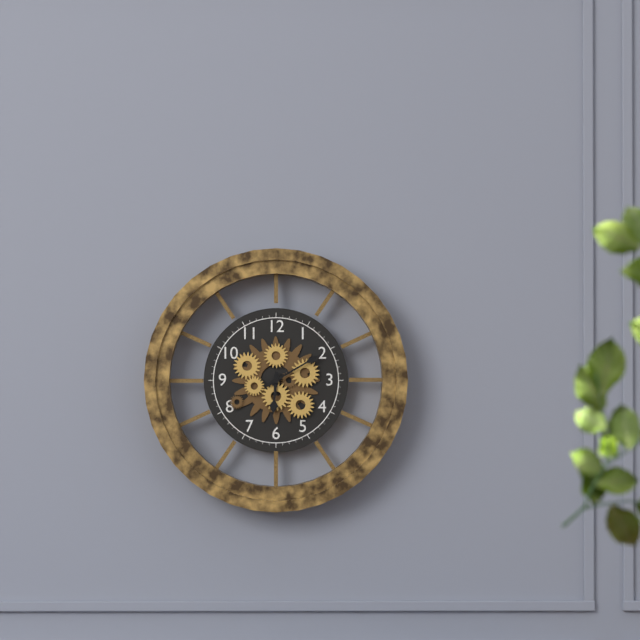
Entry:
6h10
